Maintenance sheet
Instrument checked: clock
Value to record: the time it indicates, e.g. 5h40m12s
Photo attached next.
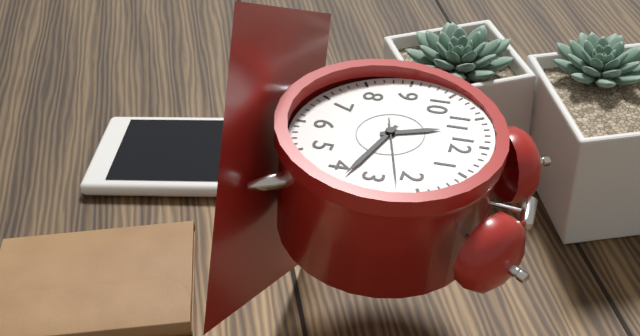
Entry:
11h18m12s
